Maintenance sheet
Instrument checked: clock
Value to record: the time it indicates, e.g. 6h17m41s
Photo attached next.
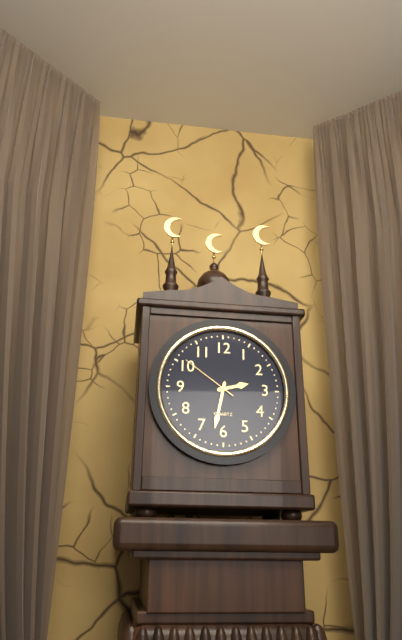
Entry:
2h32m51s
